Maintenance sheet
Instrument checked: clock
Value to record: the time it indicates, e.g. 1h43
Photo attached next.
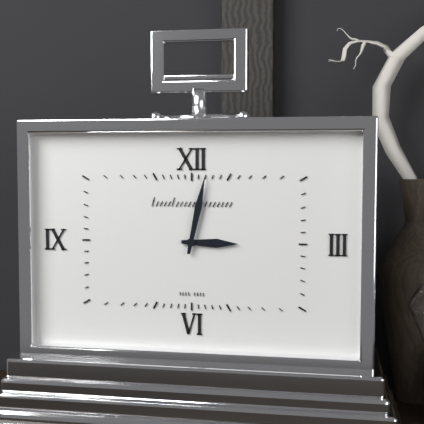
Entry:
3h02
